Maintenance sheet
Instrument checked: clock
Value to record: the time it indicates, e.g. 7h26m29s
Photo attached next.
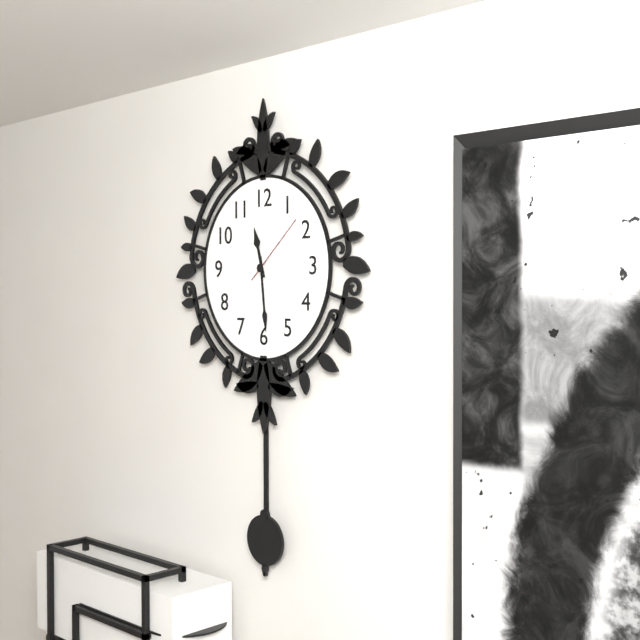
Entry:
11h29m08s
